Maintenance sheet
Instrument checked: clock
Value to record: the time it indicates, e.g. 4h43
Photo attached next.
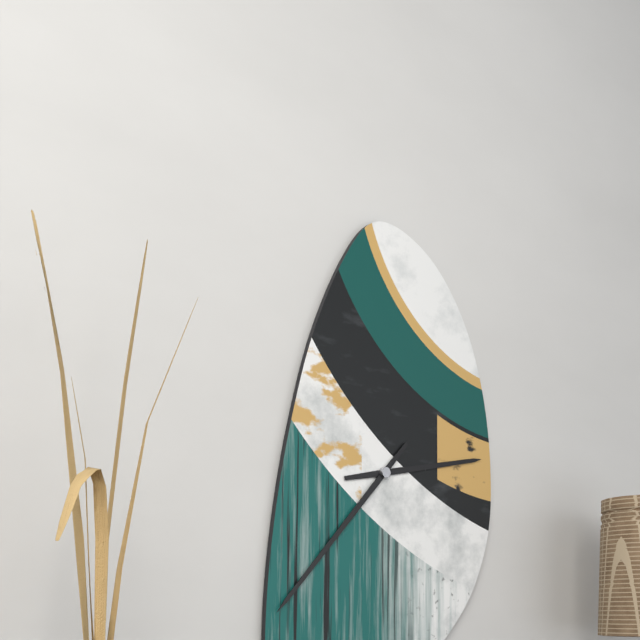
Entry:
2h37
